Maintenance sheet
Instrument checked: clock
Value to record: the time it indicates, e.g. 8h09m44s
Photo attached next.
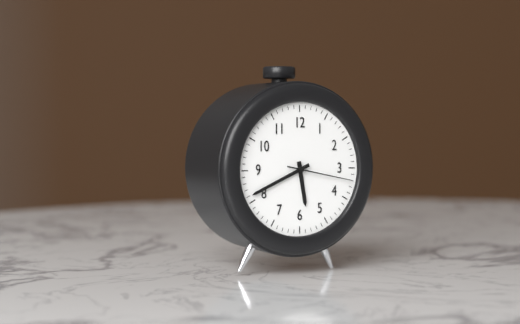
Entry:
5h41m17s
